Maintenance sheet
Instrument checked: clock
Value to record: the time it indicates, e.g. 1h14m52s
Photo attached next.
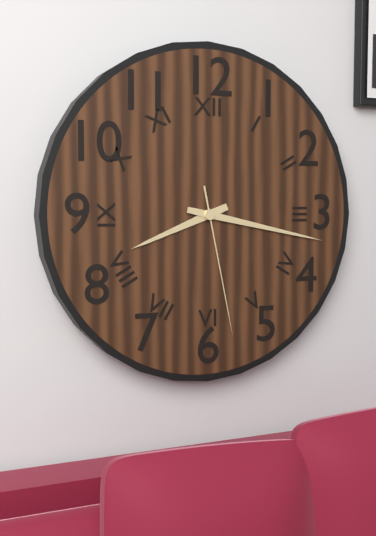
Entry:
8h17m28s
